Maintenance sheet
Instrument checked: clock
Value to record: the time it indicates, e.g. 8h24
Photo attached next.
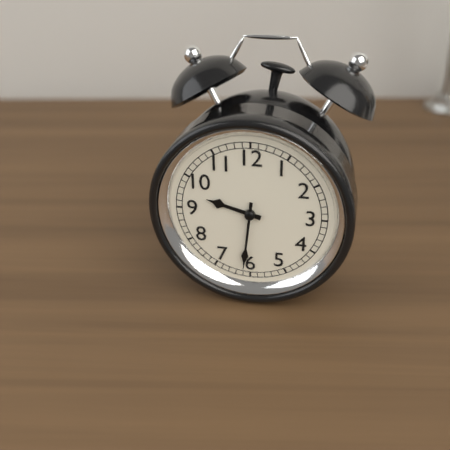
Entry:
9h31
